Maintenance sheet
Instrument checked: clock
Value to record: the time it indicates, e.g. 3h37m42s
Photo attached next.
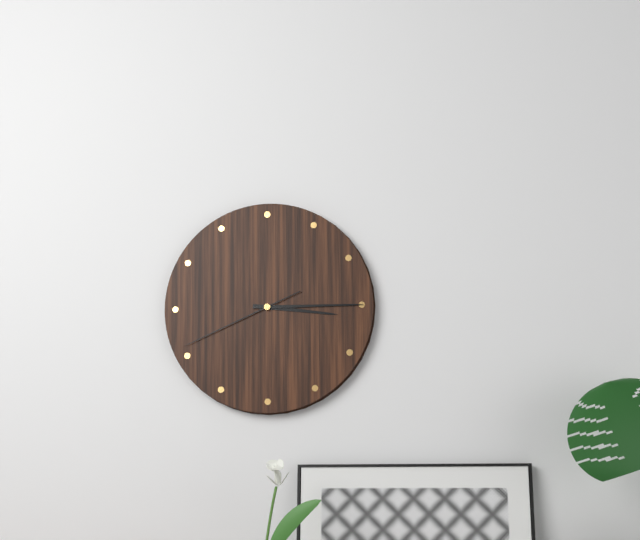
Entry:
3h15m41s
